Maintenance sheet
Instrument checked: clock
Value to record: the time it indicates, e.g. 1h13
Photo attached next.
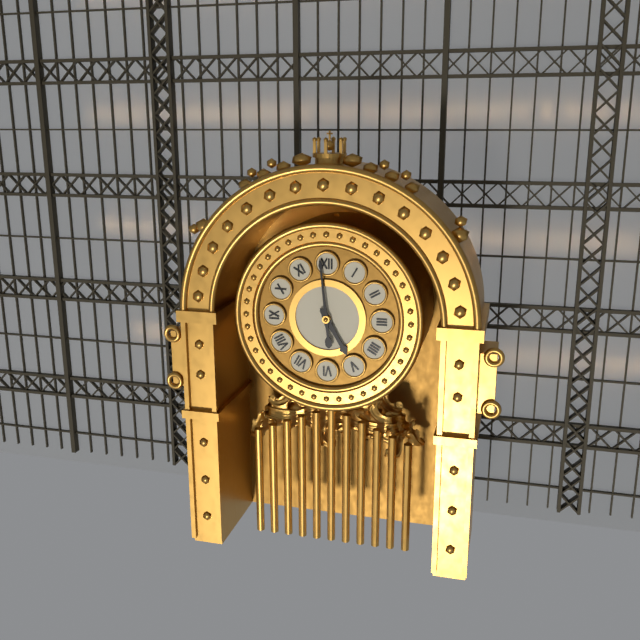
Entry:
4h59
